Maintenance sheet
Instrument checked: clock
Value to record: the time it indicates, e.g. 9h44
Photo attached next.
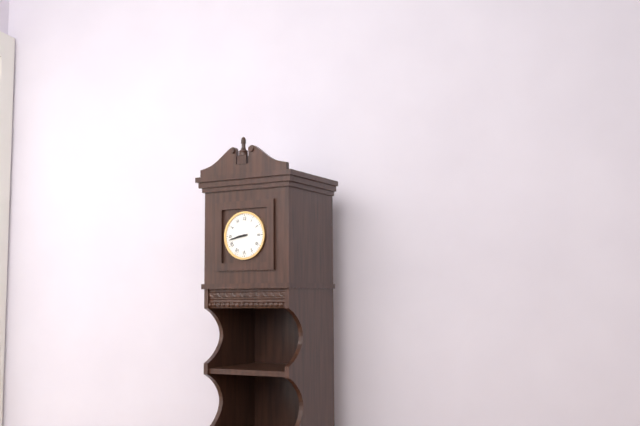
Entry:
8h43
